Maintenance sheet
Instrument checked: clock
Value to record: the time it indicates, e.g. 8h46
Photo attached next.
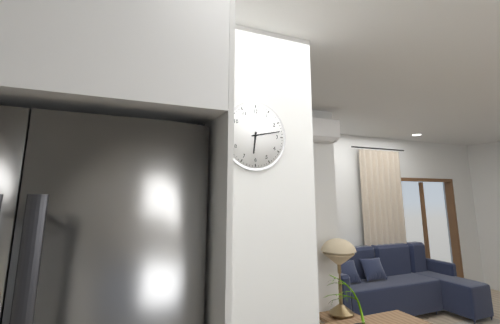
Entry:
6h13
